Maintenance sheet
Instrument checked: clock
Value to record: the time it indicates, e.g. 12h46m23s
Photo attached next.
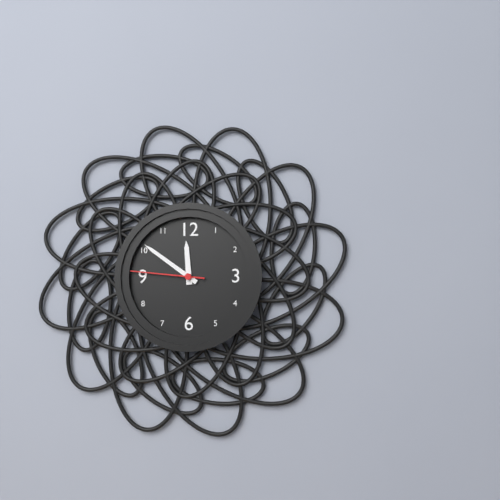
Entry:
11h51m46s
